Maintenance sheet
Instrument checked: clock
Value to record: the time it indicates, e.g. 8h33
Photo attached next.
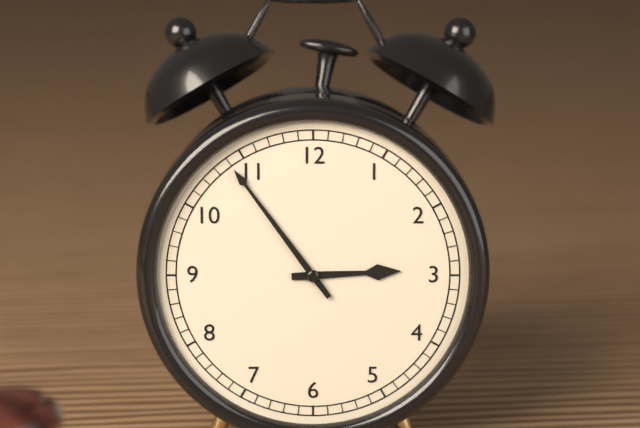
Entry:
2h54
